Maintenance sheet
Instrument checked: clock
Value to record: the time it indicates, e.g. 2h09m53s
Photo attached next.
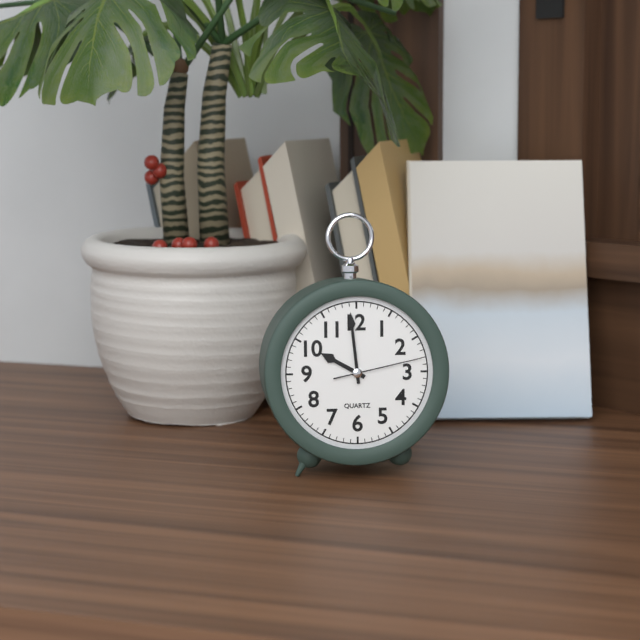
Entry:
9h59m13s
